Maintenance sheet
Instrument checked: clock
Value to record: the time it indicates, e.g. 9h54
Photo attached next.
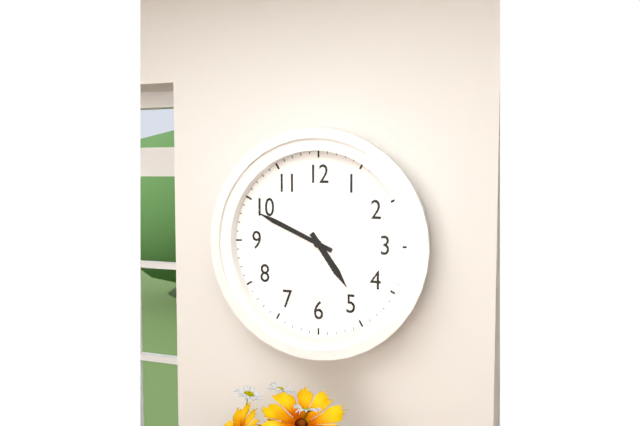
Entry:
4h49
